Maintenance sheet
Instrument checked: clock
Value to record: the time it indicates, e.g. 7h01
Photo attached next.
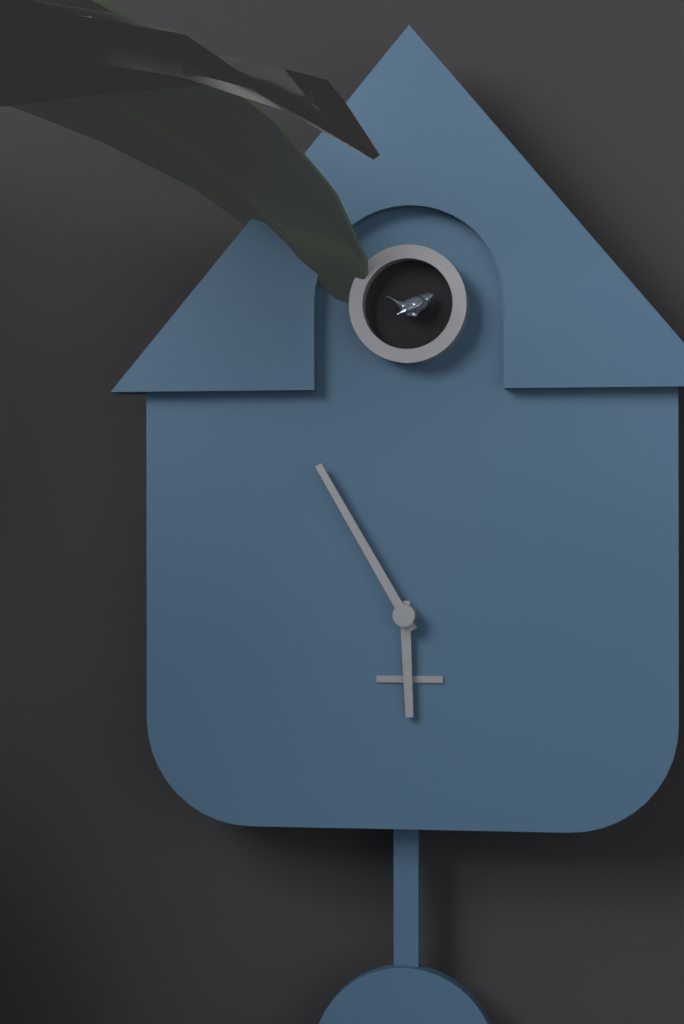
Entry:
5h55
